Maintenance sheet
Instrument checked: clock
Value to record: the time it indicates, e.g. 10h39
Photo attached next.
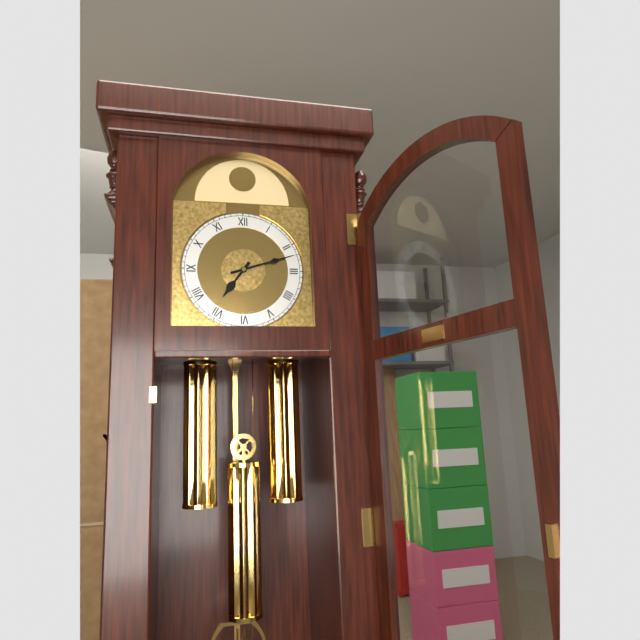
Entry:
7h12
